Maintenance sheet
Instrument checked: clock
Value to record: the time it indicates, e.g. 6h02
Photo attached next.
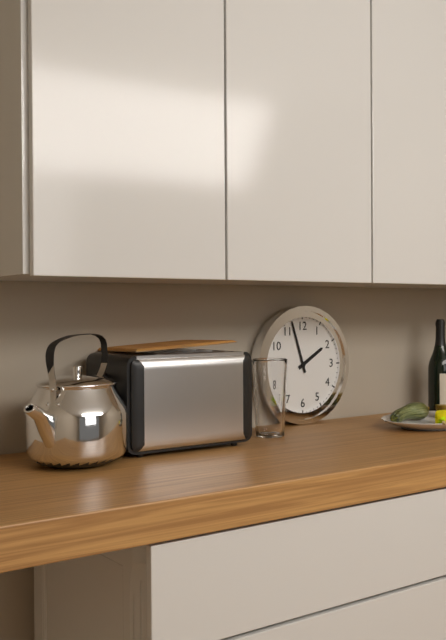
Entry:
1h57
